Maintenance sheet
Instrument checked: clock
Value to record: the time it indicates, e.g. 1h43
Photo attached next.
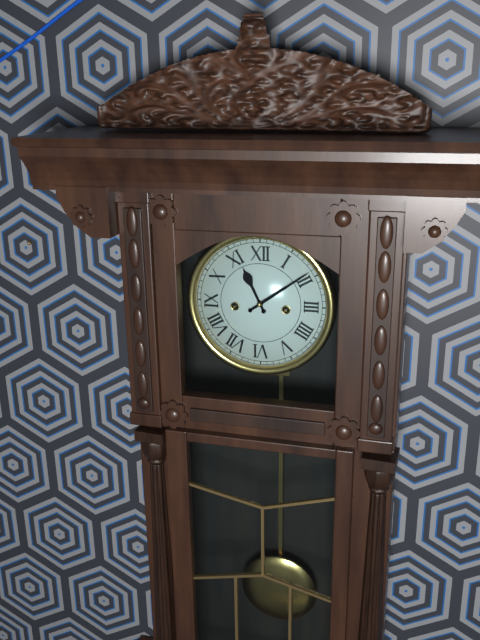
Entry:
11h09
